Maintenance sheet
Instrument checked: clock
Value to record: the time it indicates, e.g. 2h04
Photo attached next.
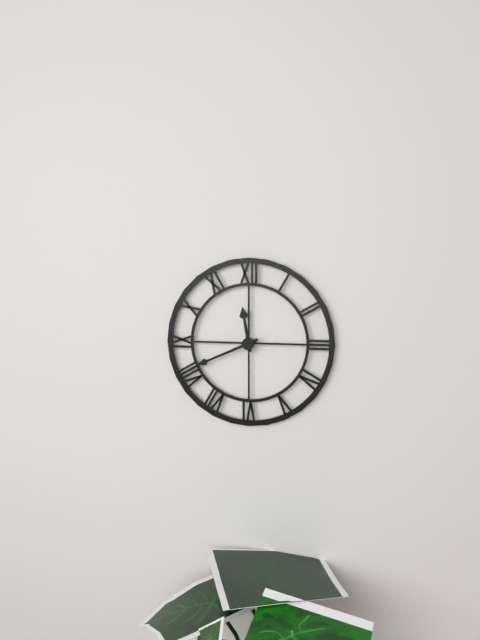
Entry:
11h41
